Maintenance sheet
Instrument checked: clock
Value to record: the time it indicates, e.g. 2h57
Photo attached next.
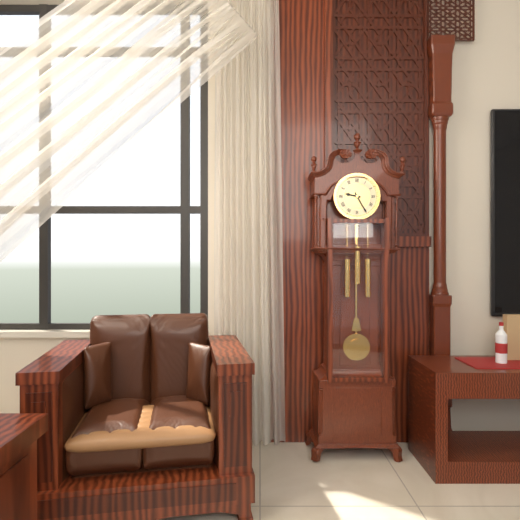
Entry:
9h25
